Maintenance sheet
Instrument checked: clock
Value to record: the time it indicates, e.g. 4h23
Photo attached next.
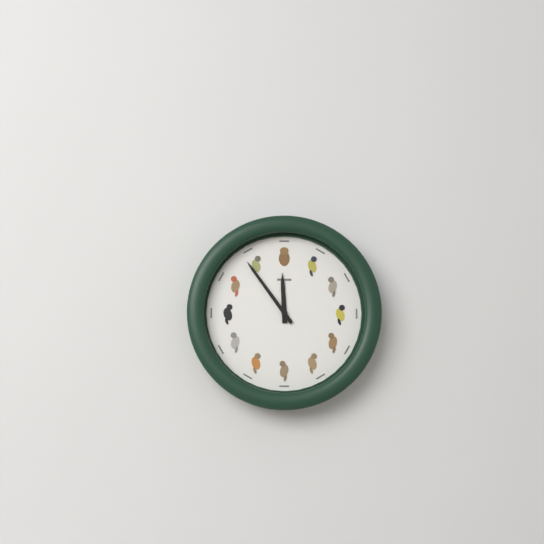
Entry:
11h54
